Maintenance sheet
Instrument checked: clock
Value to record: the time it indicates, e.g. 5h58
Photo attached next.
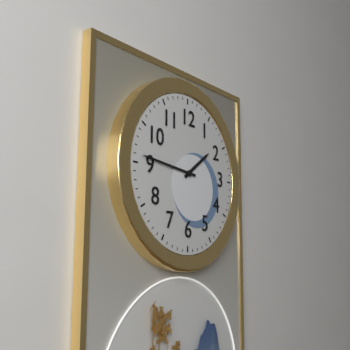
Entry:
1h46
